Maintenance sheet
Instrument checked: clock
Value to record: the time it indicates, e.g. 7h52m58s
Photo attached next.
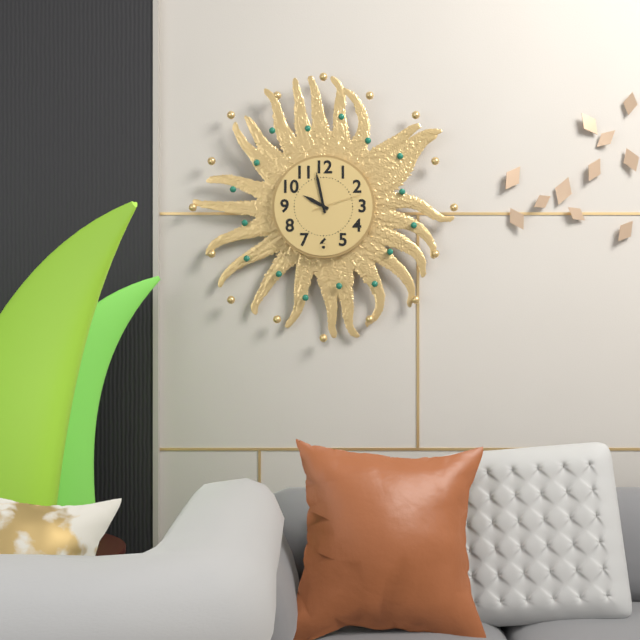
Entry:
9h58m12s
